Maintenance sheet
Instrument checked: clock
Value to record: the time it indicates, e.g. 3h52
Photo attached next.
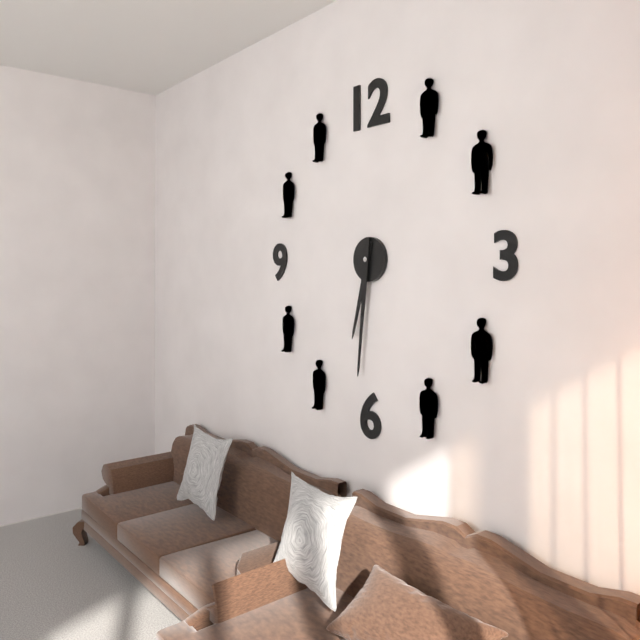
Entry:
6h31
